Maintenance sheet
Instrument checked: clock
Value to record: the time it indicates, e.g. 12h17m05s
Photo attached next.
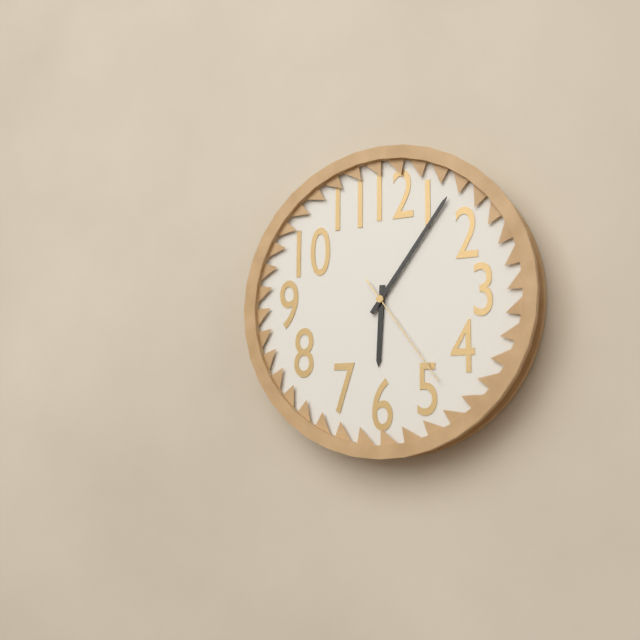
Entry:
6h06m24s
